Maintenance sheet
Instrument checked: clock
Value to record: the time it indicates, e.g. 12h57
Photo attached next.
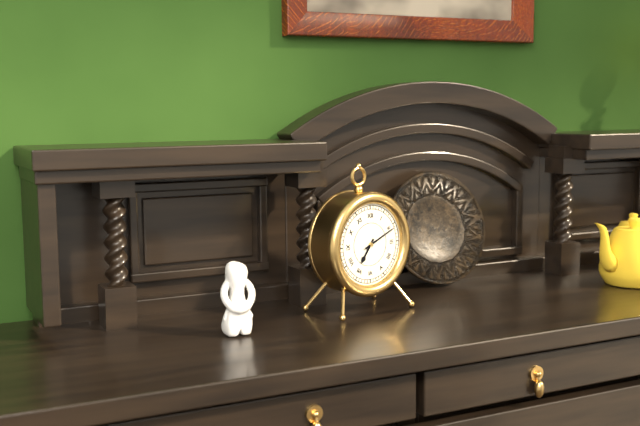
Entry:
7h11
